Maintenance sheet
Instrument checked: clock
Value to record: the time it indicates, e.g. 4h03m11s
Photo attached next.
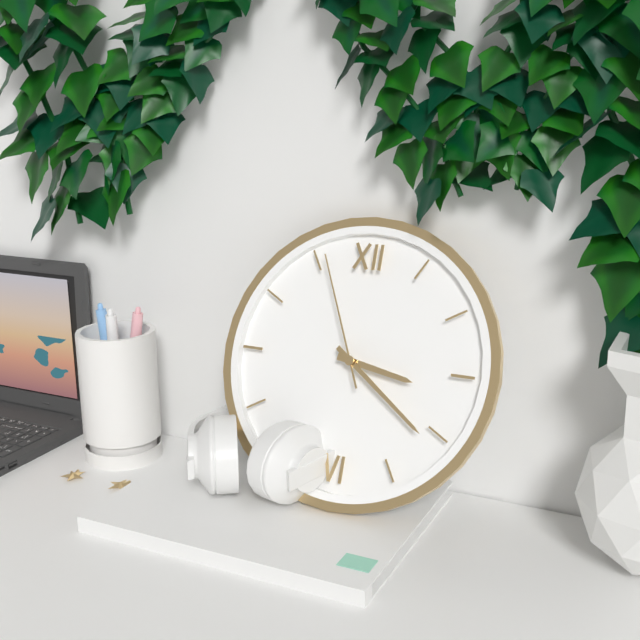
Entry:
3h21m56s
